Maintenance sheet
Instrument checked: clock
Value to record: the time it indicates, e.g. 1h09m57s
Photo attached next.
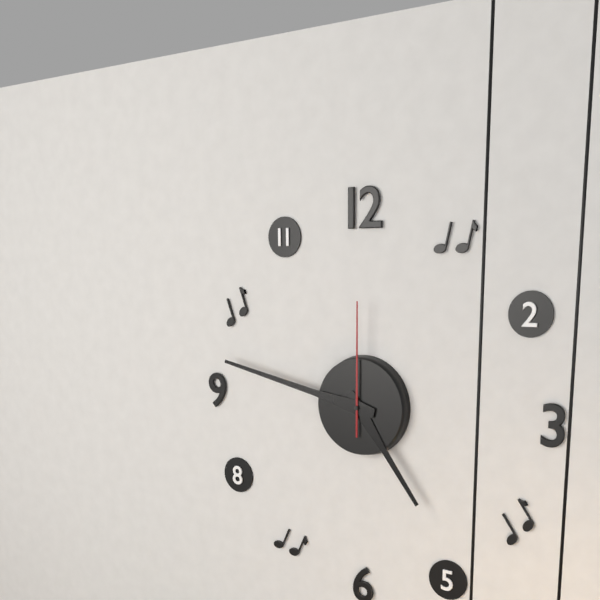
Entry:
4h47m00s
